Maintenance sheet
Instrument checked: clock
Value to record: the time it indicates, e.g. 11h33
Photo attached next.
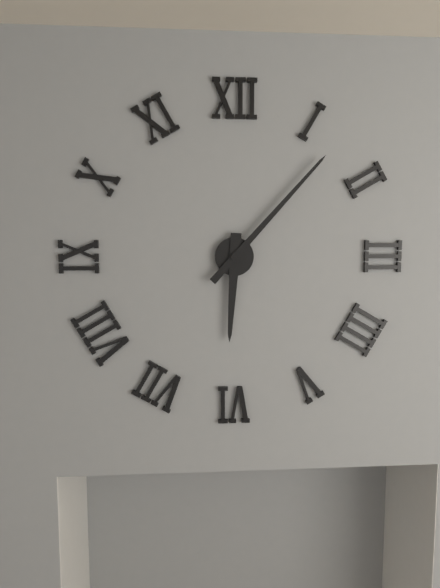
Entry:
6h07
